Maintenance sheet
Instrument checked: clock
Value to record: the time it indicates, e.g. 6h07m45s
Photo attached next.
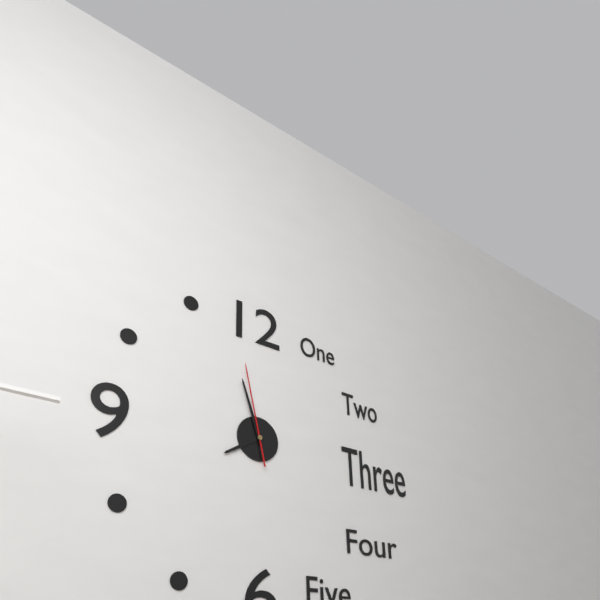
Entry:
7h57m58s
